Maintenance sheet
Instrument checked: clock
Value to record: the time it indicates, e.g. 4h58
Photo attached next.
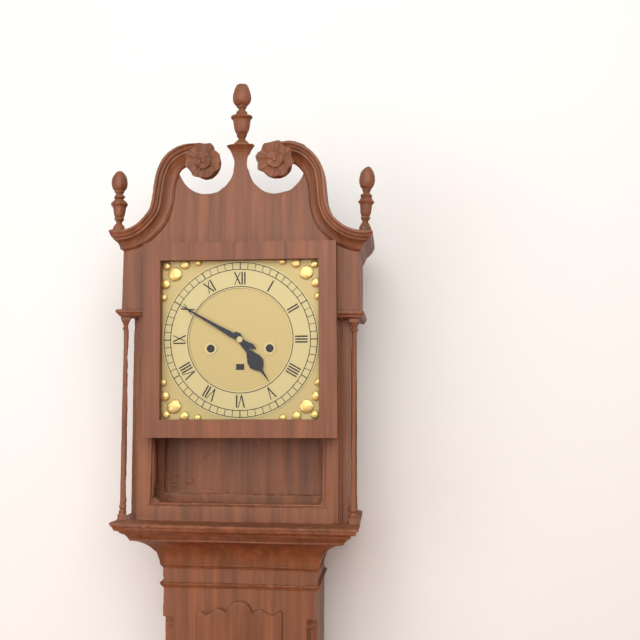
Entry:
4h50
